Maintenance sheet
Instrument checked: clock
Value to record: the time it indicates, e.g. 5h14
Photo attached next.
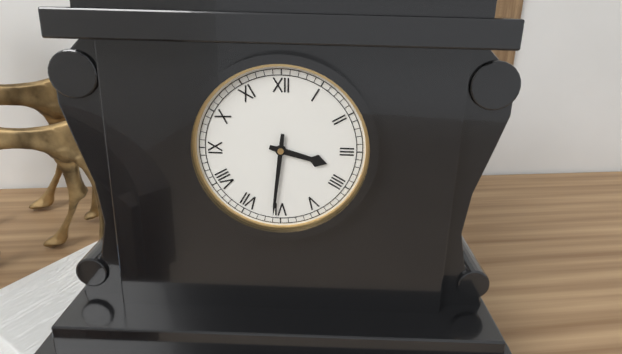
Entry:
3h31
